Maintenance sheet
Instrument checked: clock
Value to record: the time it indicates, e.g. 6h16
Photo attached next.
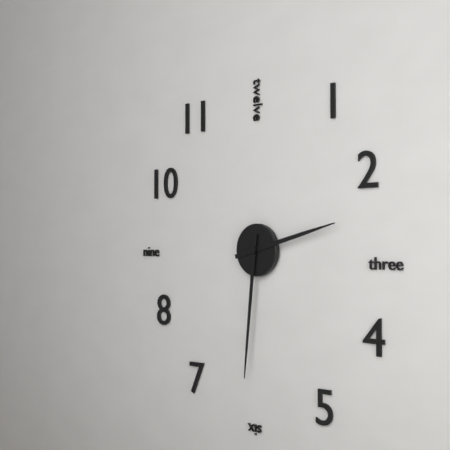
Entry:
2h31
